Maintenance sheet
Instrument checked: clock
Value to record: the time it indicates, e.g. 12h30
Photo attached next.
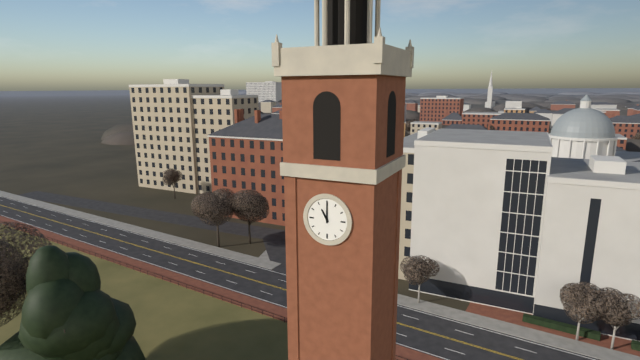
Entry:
11h00
